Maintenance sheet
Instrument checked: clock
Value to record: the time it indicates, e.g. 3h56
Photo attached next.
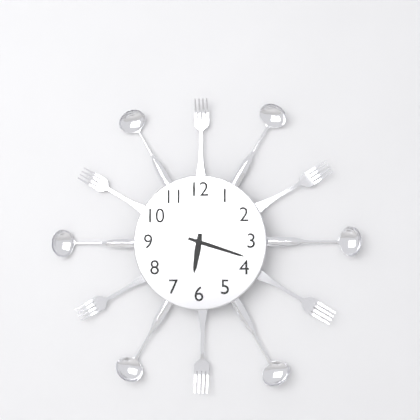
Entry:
6h18
